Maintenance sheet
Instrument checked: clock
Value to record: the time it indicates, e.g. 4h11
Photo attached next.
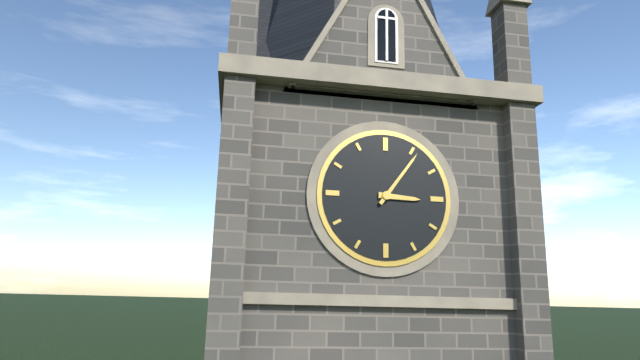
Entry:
3h06
